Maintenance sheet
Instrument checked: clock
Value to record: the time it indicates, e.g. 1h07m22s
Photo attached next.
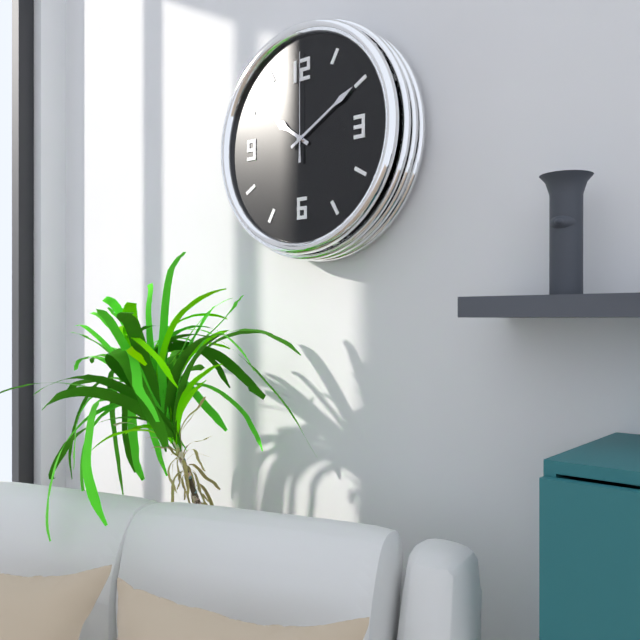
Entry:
10h10m00s
